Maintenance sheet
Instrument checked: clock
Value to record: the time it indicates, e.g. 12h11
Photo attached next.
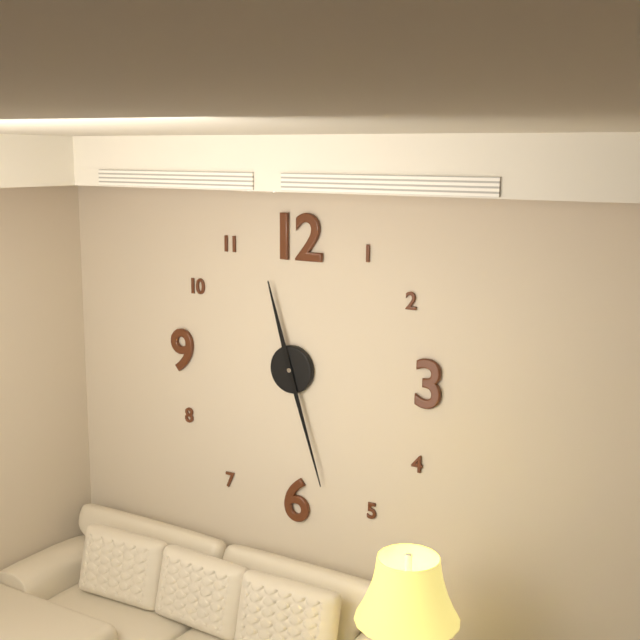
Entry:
11h27
